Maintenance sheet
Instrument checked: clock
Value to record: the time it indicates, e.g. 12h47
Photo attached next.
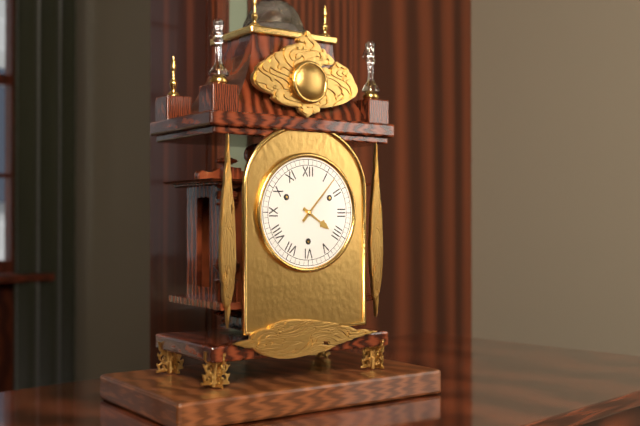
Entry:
4h07
